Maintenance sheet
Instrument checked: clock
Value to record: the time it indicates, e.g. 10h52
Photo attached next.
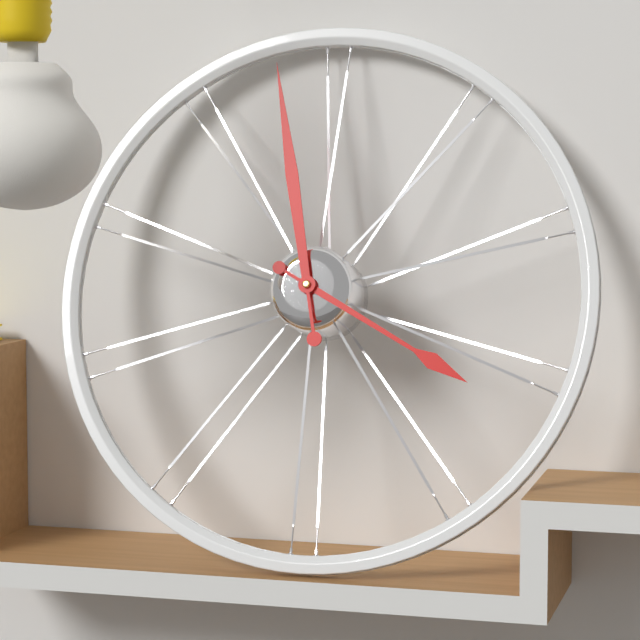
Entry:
3h58
